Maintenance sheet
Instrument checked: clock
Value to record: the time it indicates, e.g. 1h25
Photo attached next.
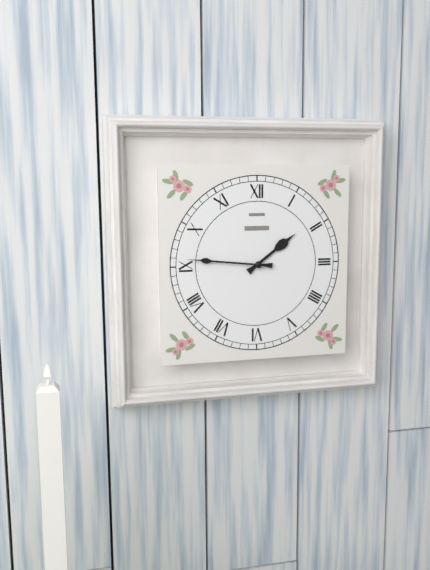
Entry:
1h46
